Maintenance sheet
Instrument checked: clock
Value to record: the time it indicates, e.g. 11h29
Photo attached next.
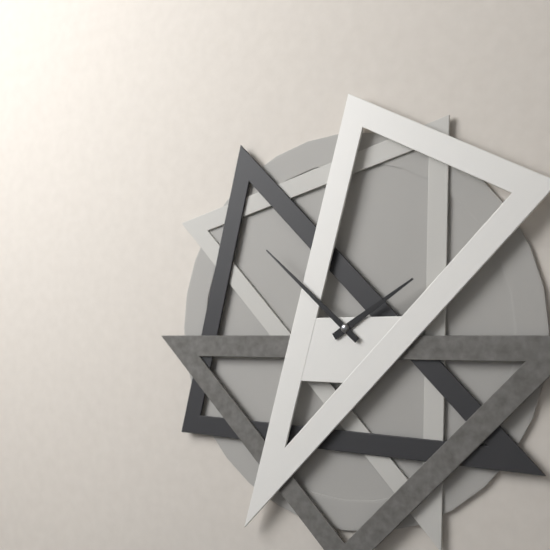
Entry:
1h52
